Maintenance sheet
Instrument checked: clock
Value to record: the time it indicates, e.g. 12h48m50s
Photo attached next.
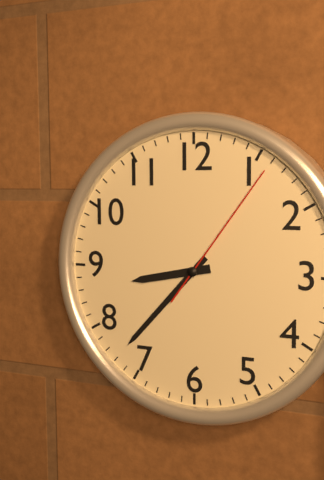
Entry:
8h37m06s
